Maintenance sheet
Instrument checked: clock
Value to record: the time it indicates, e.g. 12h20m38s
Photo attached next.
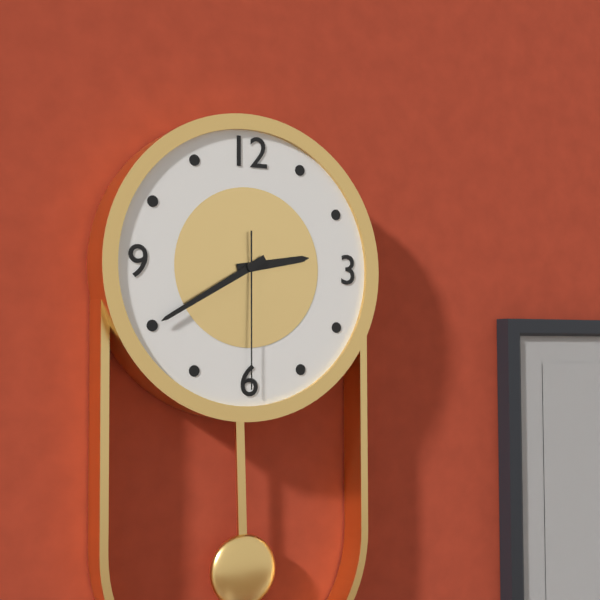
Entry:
2h40m30s
